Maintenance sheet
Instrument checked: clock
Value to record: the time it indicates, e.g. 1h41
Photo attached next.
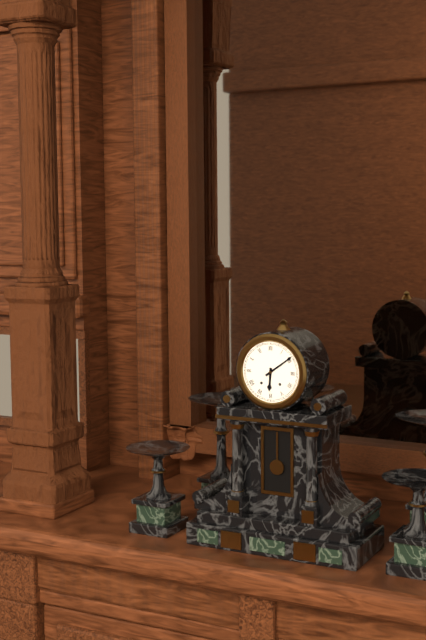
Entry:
6h09
